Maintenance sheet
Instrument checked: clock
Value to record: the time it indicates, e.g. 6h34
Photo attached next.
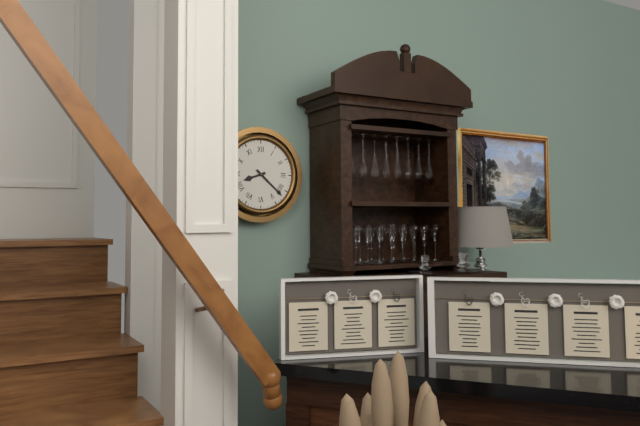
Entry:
8h22
